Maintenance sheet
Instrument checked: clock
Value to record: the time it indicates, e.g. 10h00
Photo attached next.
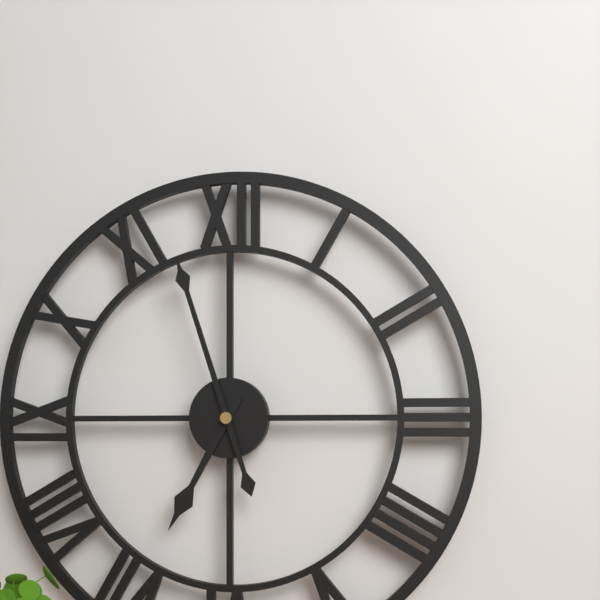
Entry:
6h57
